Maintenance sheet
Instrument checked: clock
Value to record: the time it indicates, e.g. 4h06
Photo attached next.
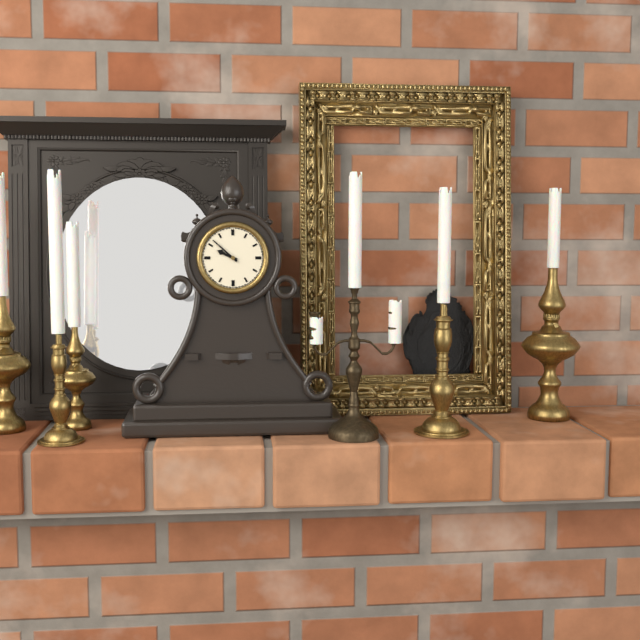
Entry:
9h52
